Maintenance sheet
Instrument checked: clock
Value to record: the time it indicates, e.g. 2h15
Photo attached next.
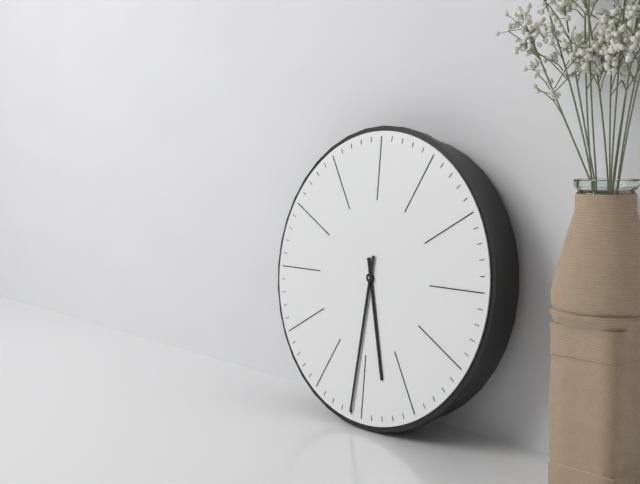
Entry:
5h31
